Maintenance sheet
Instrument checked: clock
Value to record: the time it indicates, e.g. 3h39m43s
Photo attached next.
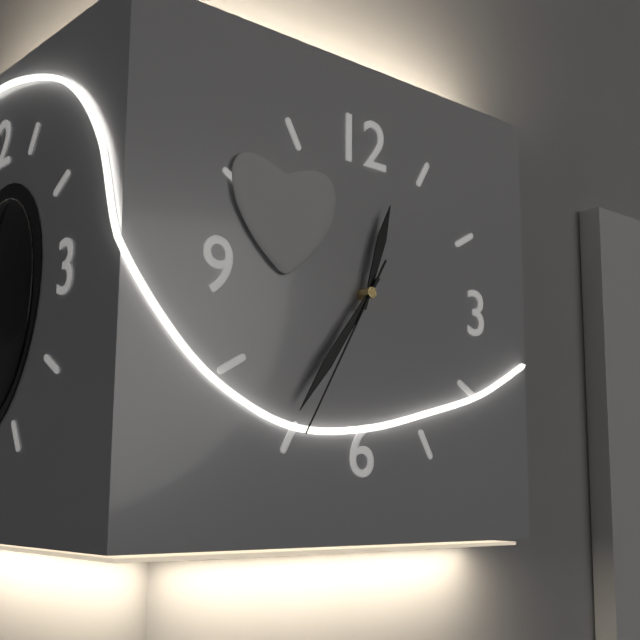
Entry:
12h36m35s
